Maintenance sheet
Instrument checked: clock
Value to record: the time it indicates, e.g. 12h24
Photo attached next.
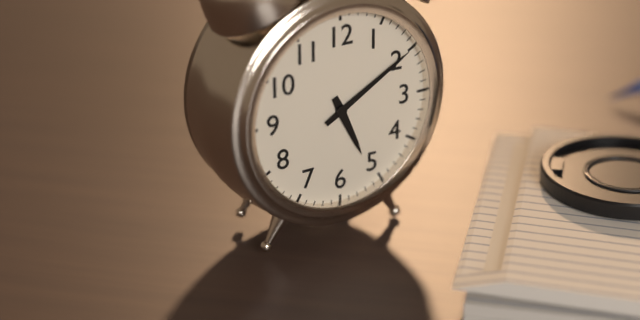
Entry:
5h10
